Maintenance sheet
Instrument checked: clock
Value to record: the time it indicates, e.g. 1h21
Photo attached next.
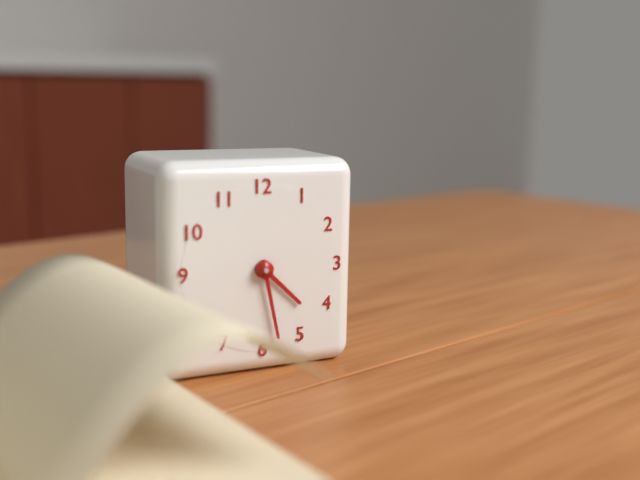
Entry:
4h28
